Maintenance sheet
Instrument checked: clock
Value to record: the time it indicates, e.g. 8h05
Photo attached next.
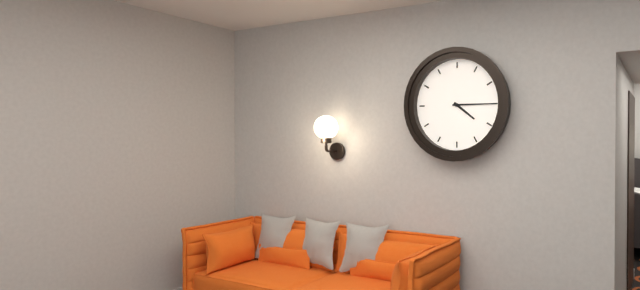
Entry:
4h15
